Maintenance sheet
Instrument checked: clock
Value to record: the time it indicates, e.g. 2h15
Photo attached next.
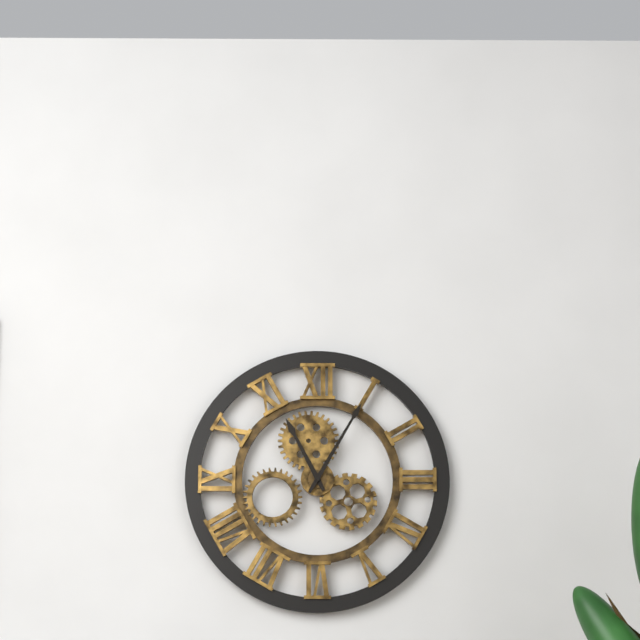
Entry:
11h05
